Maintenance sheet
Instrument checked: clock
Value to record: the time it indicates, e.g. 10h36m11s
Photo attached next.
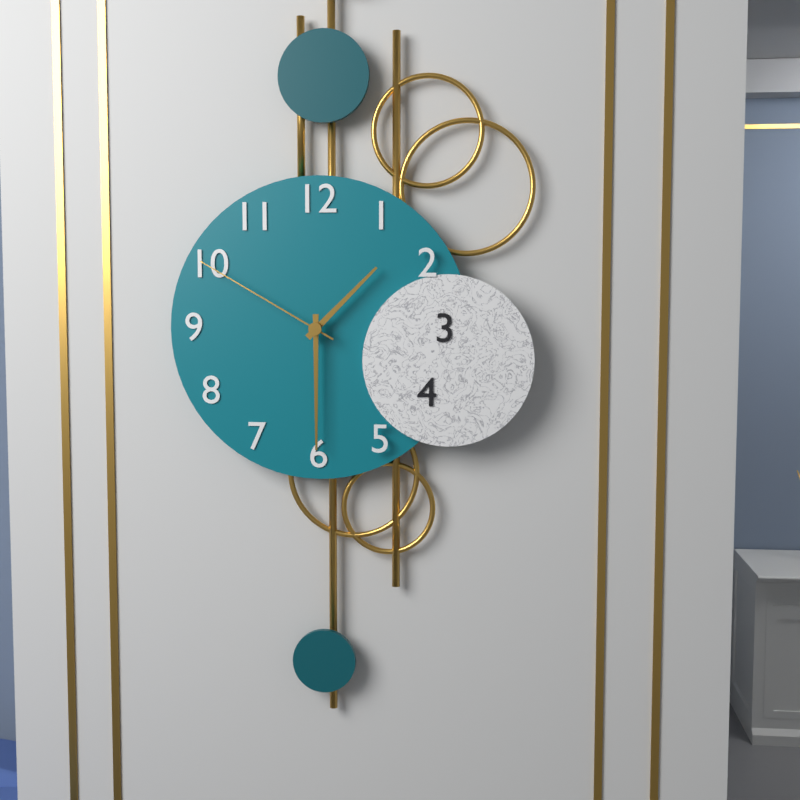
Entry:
1h30m50s
